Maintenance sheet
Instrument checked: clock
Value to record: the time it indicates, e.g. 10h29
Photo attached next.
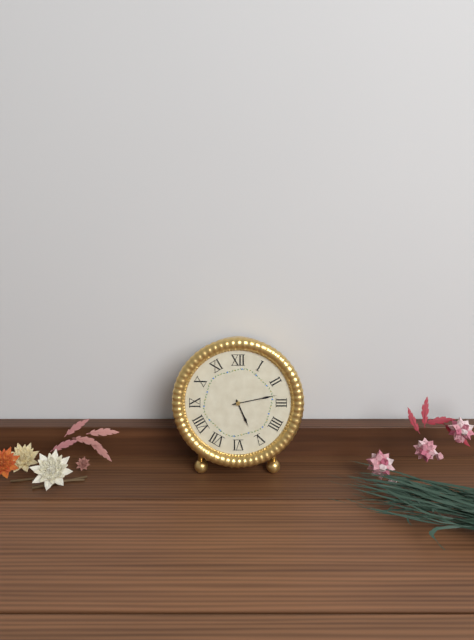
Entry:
5h13
